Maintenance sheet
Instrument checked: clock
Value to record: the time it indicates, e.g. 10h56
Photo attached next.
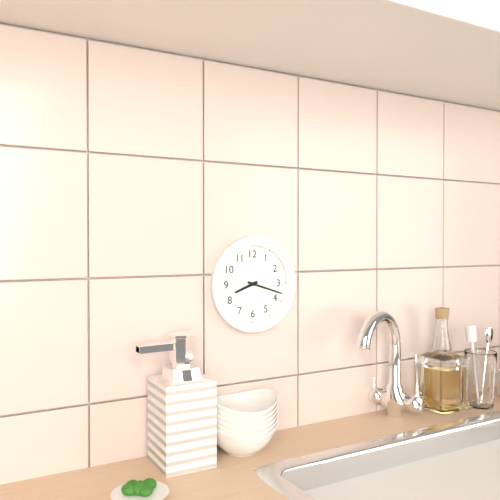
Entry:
8h18
